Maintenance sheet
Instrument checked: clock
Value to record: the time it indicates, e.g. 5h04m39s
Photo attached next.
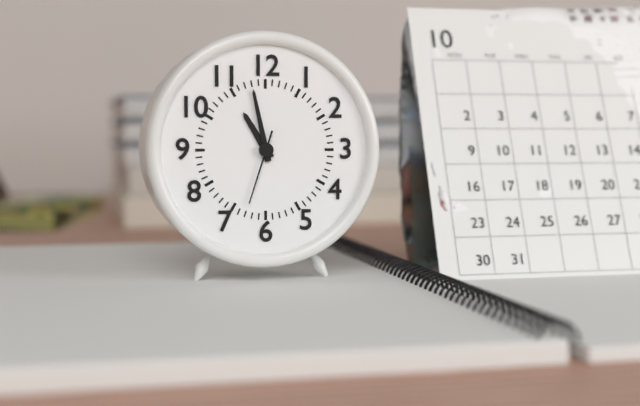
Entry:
10h58m33s
